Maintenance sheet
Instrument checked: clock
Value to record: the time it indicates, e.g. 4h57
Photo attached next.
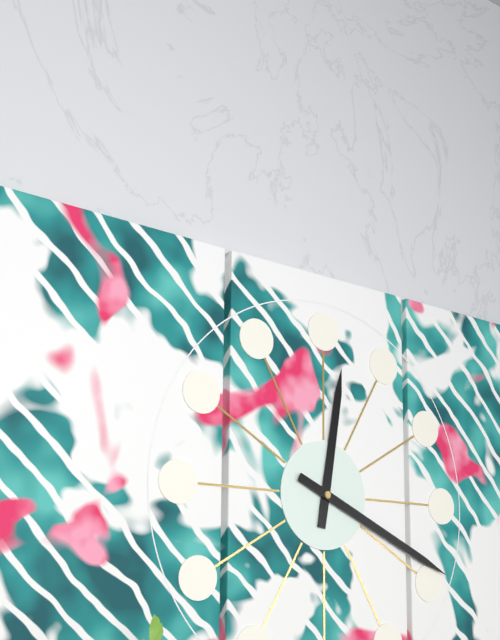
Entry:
12h19
